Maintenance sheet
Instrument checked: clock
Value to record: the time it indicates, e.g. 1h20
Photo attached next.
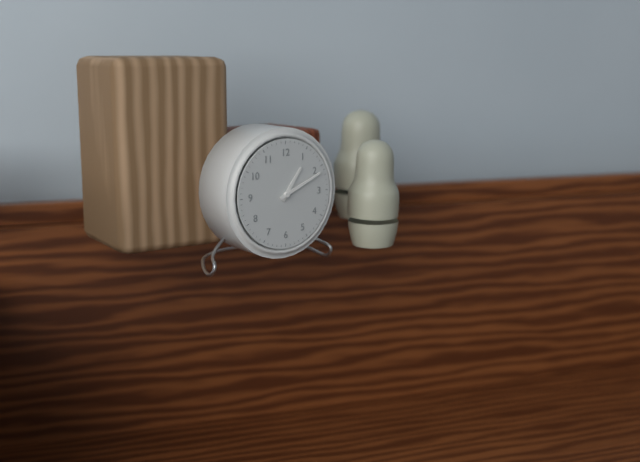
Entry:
1h11
